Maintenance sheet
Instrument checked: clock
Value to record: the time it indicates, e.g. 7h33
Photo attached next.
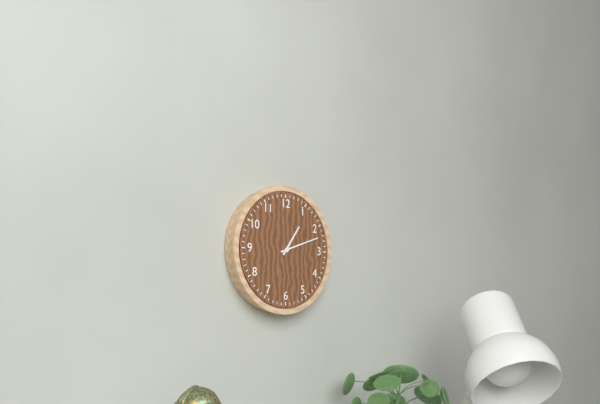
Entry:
1h12
